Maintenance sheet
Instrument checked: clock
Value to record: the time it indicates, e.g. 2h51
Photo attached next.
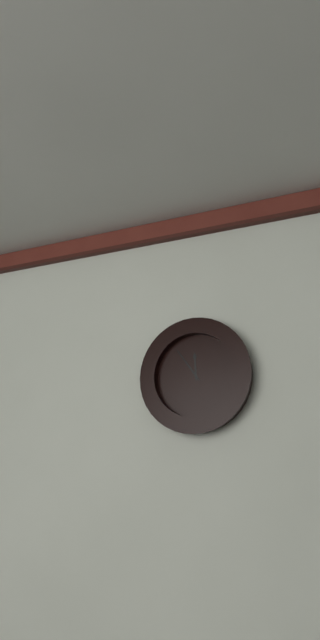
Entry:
11h54
